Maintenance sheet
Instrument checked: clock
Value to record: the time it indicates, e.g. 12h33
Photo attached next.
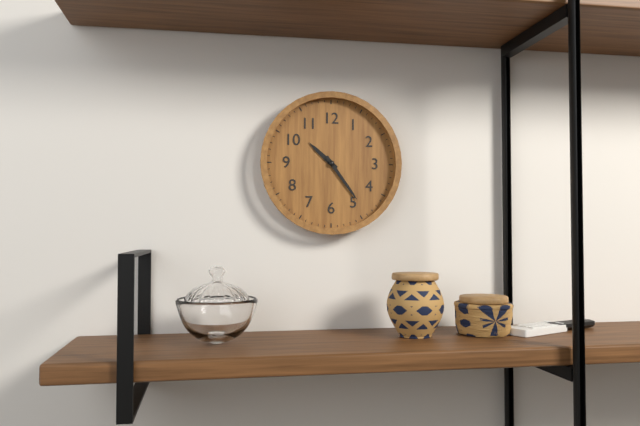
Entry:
10h24
